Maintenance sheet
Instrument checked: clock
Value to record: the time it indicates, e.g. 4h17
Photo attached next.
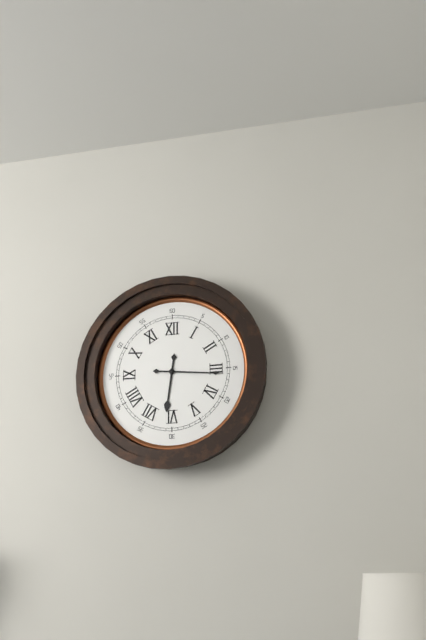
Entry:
6h16
